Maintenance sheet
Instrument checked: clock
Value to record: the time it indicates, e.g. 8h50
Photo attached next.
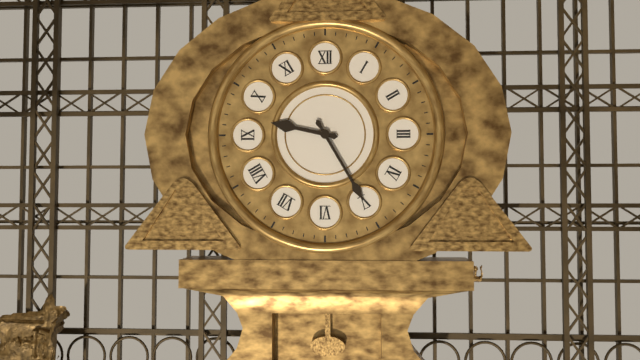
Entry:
9h25
